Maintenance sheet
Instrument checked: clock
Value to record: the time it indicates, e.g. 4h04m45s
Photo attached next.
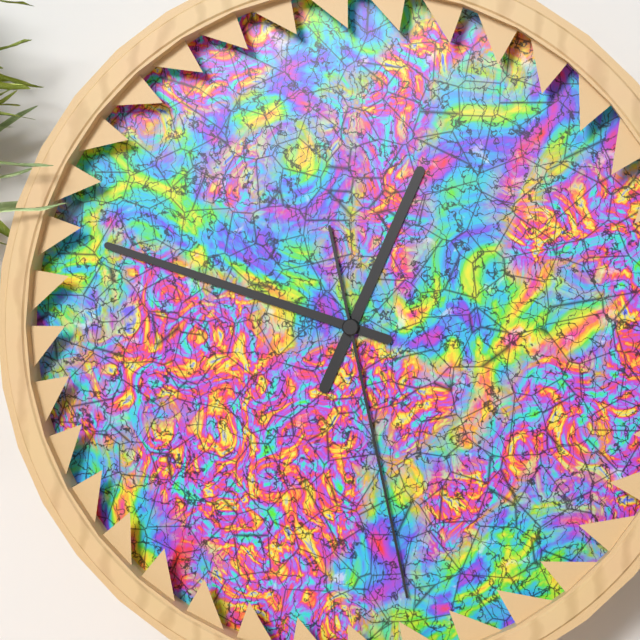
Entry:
12h48m28s
